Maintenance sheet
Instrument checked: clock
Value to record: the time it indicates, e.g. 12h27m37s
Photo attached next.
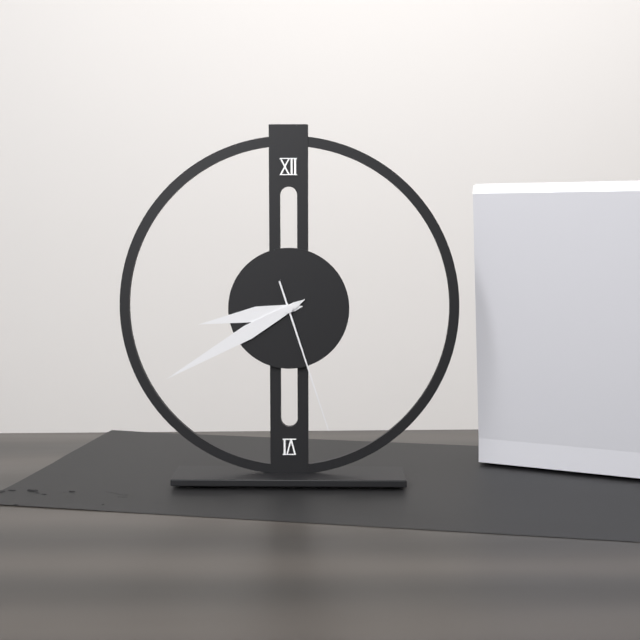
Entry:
8h40m27s
